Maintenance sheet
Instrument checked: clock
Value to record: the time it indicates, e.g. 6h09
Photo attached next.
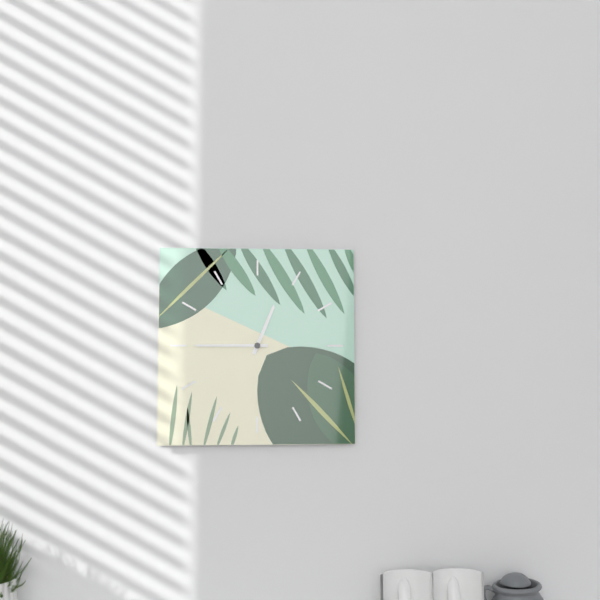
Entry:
12h45
